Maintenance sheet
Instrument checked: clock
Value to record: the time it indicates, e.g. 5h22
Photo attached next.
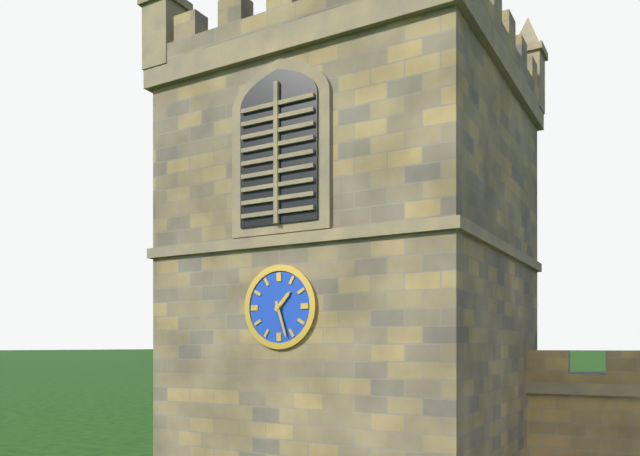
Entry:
1h27
